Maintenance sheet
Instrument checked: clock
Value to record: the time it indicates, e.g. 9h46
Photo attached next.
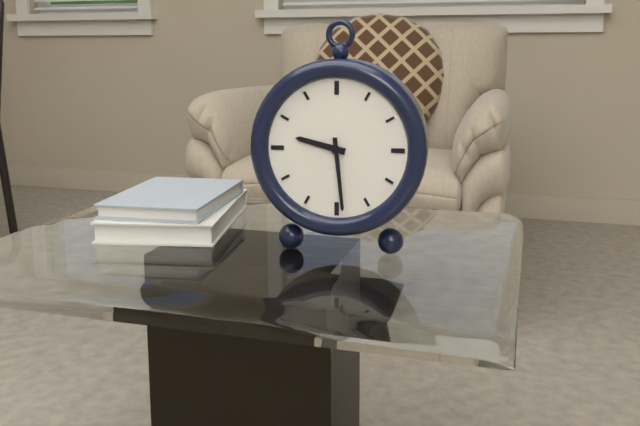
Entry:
9h29
